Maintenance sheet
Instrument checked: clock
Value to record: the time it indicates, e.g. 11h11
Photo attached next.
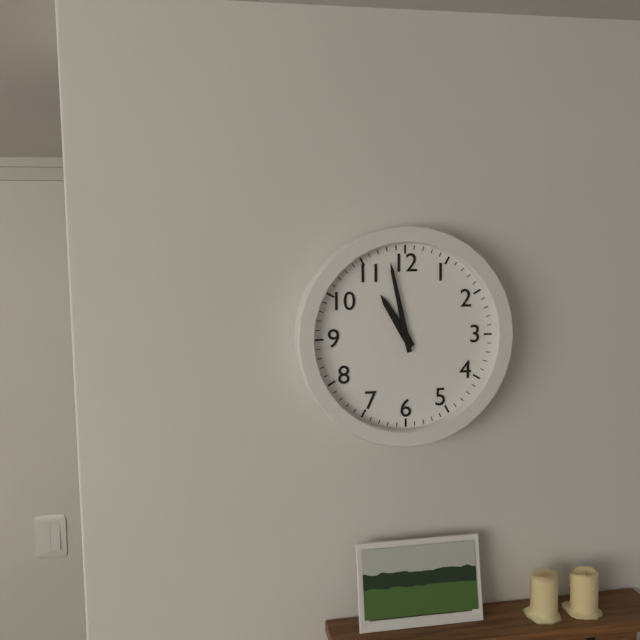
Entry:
10h58
